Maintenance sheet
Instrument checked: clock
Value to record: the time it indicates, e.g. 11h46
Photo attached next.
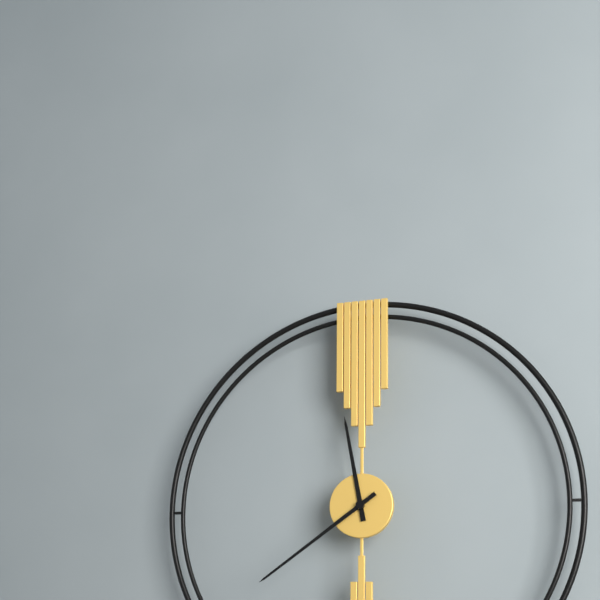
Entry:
11h39
